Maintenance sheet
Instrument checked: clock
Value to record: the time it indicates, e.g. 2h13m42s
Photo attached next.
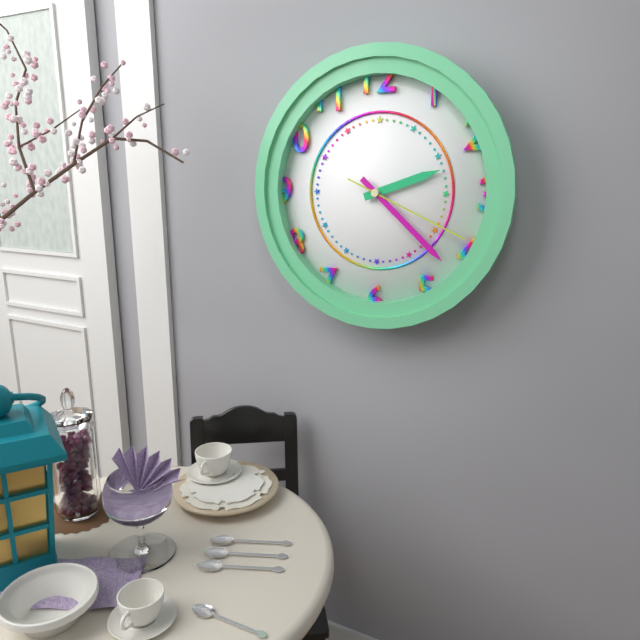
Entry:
2h22m19s
